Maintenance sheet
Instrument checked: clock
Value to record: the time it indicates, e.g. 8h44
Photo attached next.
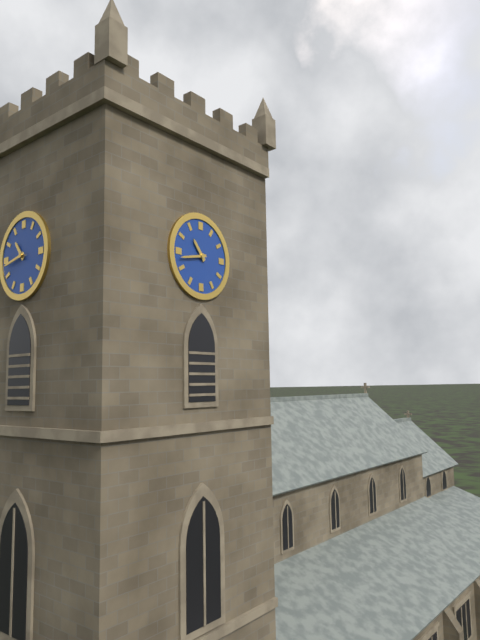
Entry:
10h43
